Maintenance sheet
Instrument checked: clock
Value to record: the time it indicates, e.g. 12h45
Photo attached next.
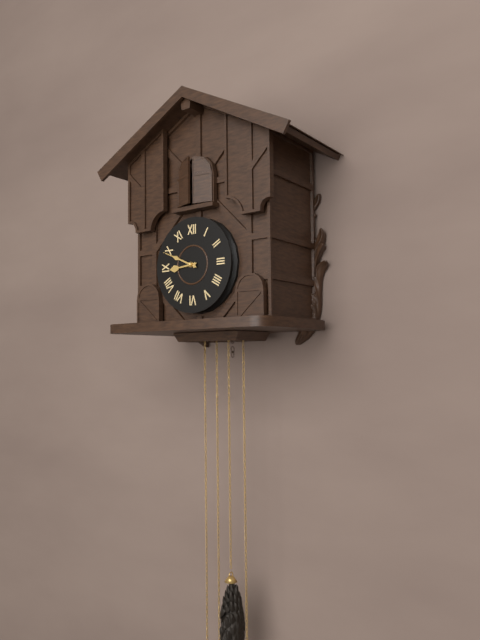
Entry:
8h49
